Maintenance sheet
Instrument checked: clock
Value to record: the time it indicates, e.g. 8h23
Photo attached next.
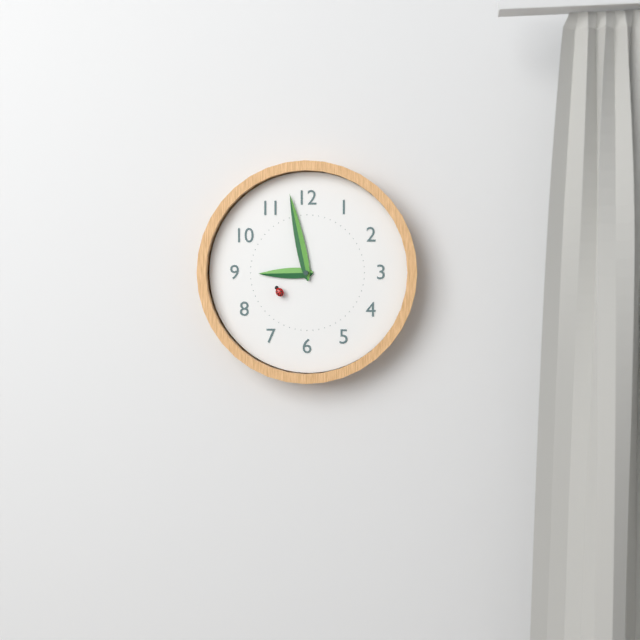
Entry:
8h58
